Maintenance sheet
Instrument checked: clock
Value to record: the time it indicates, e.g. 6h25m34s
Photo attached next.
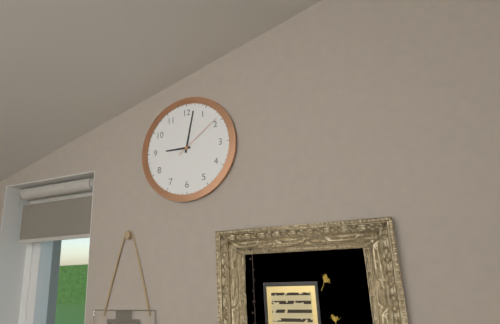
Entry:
9h02m09s
